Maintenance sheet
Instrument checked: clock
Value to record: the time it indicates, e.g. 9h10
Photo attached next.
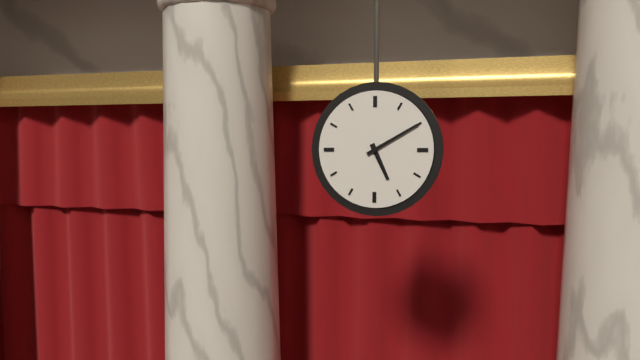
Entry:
5h10
